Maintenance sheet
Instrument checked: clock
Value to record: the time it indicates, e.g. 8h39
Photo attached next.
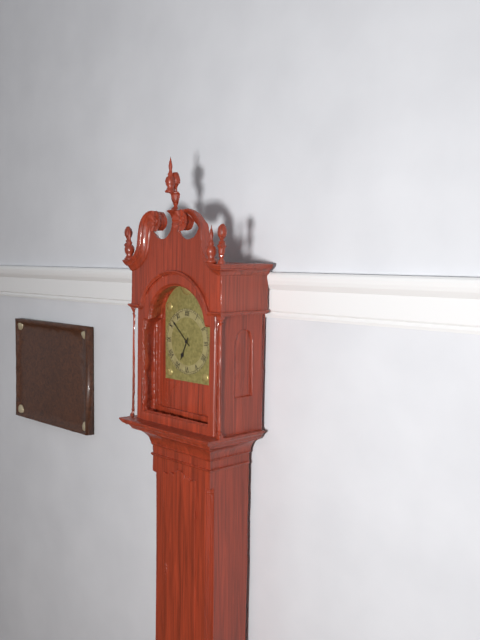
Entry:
6h52
